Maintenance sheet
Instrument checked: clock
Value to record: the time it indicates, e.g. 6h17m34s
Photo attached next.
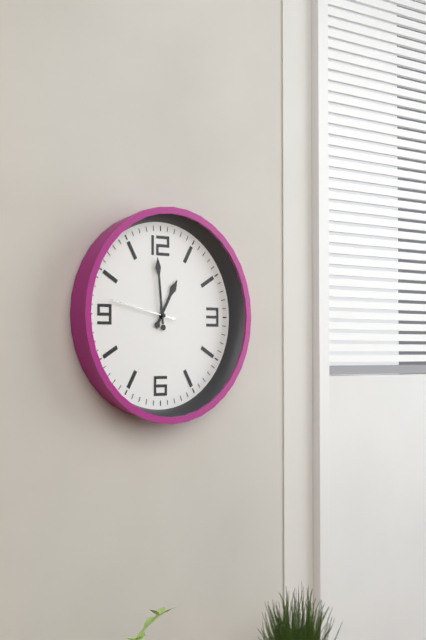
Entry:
12h59m47s
